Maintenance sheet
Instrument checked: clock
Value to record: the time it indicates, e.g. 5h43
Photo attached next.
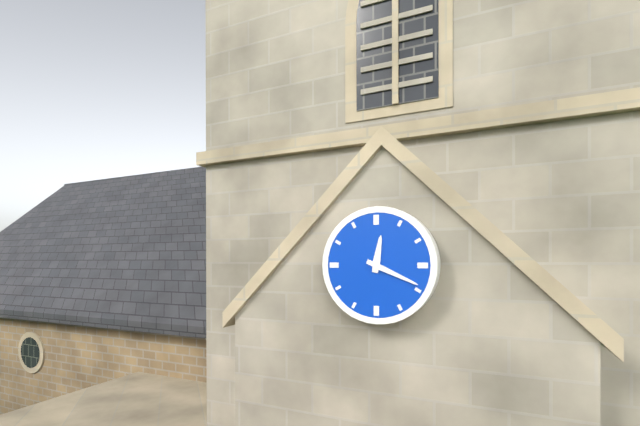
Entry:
12h19
